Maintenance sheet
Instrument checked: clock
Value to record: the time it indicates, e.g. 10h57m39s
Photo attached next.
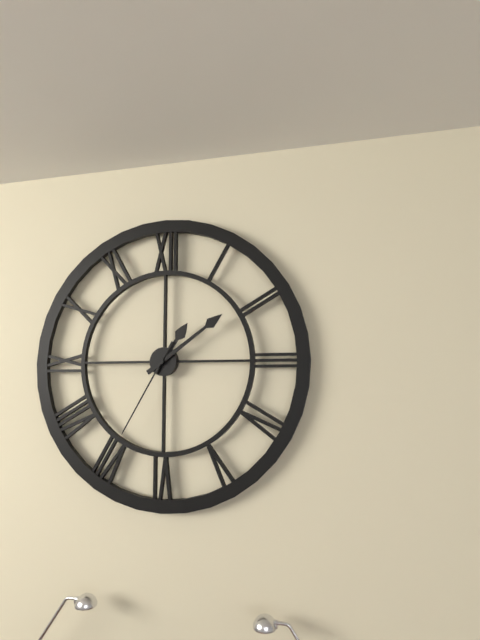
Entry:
1h09m35s
